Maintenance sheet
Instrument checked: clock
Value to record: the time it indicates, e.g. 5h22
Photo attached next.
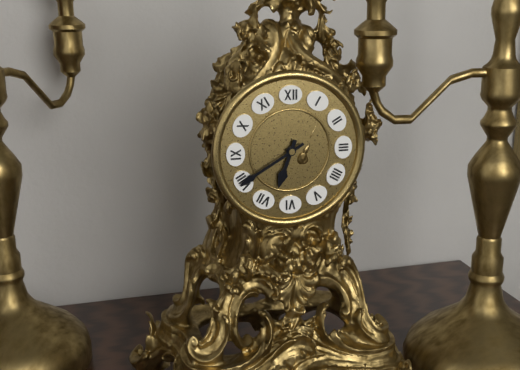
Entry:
6h40
